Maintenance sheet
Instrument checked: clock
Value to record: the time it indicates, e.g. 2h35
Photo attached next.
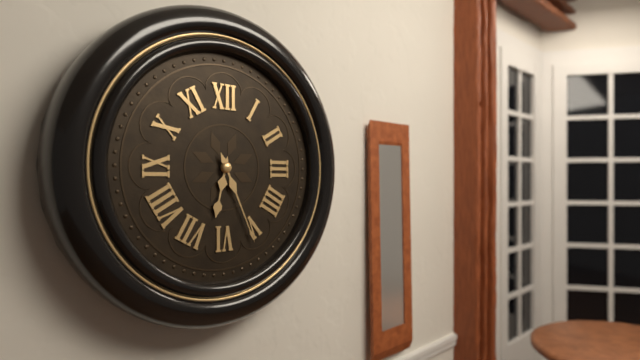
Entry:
6h26
